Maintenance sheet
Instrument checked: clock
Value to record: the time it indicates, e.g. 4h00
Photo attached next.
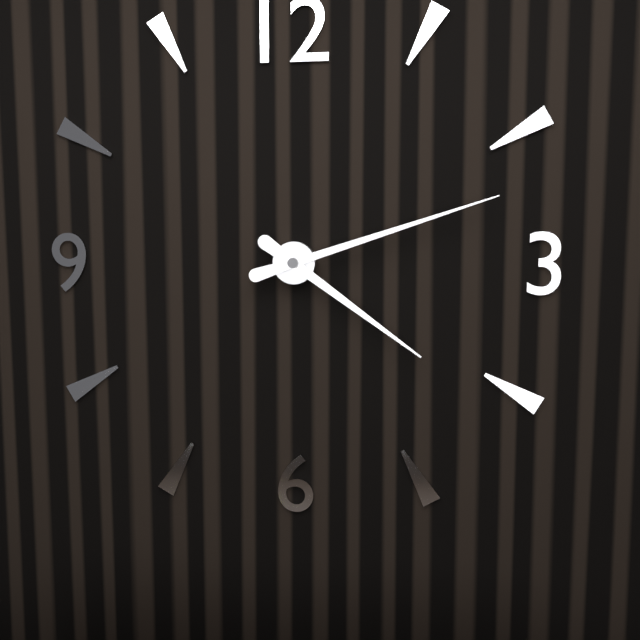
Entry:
4h12
